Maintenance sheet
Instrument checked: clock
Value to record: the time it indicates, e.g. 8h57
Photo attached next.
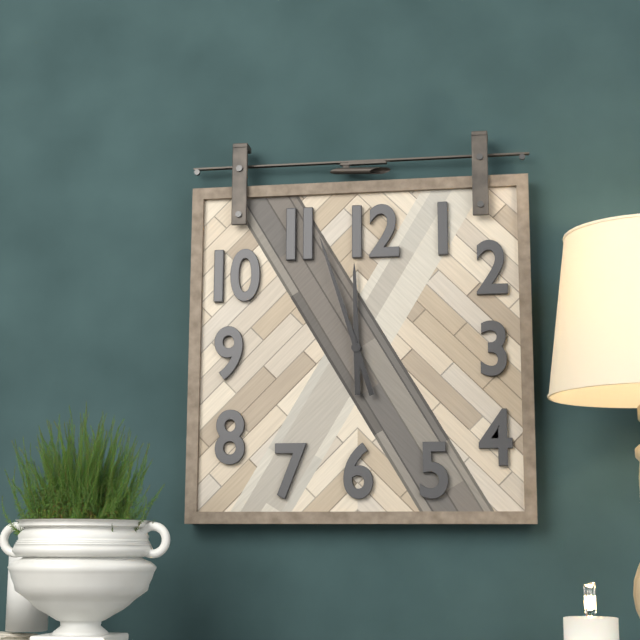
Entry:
11h57
